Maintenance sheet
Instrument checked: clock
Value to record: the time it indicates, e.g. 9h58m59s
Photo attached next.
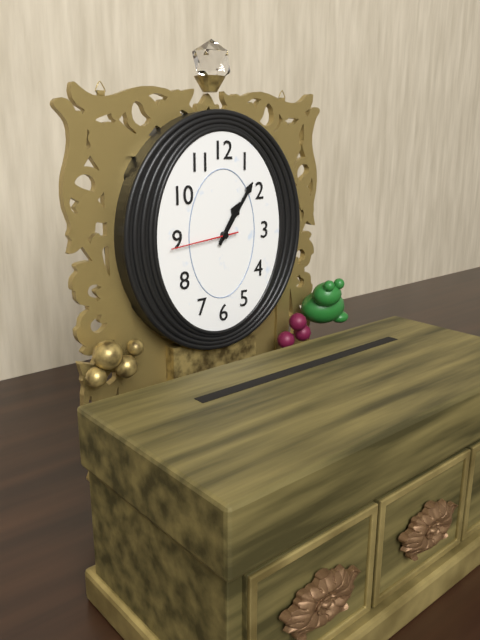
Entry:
1h06m44s
